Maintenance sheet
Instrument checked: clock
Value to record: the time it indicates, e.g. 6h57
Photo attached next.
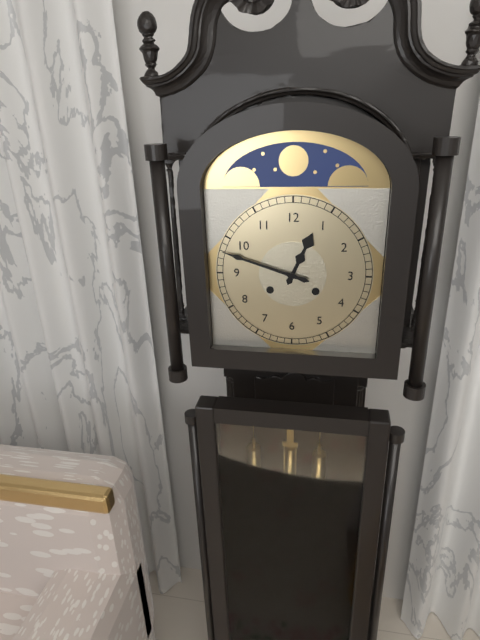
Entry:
12h48
